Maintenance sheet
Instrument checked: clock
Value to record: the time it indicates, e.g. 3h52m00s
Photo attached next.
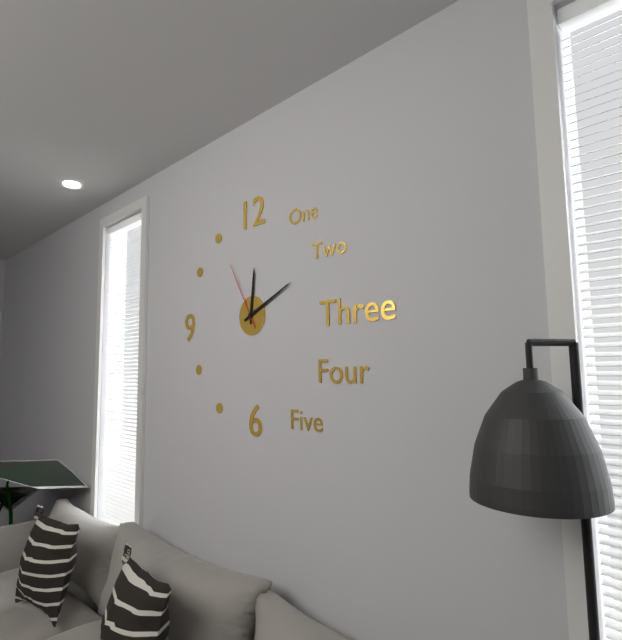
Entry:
12h11m55s
